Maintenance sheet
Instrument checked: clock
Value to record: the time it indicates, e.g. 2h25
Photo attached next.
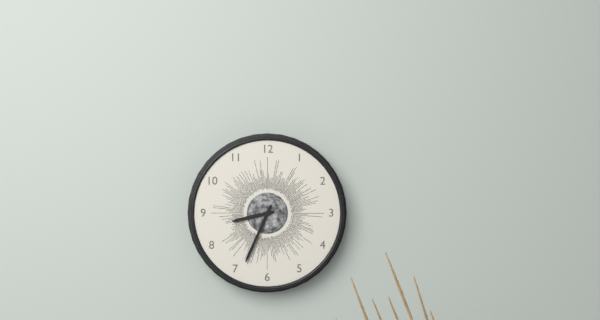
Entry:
8h34
